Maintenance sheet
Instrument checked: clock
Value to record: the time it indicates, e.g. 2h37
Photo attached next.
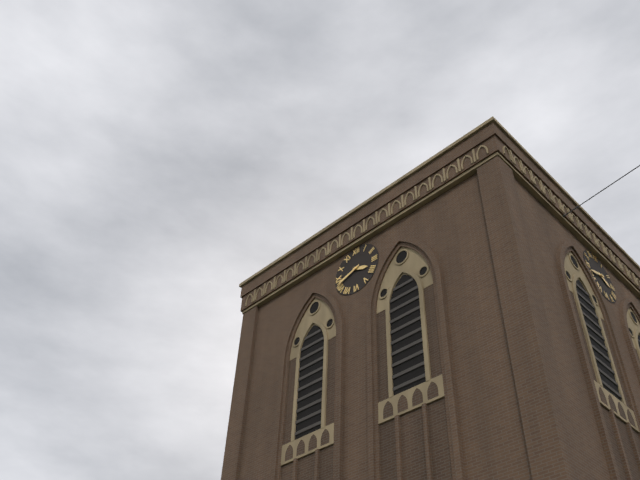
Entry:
3h42
